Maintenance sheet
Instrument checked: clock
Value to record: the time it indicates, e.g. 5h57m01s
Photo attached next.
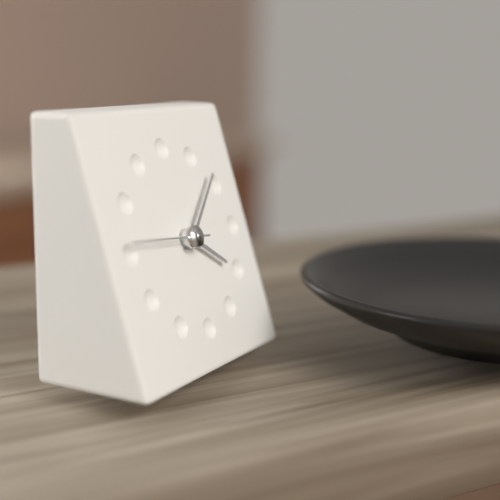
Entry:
4h08m46s
